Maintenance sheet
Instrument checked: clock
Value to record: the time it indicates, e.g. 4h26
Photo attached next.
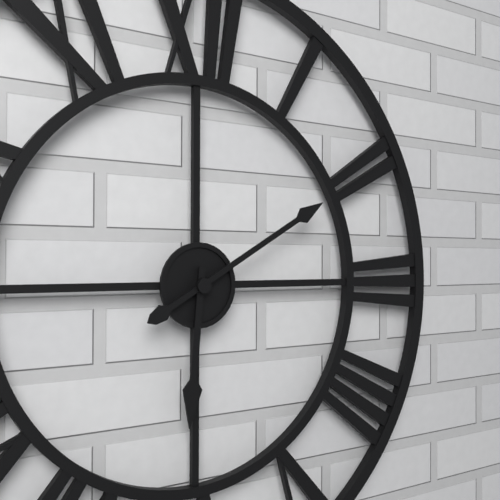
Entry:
6h10
